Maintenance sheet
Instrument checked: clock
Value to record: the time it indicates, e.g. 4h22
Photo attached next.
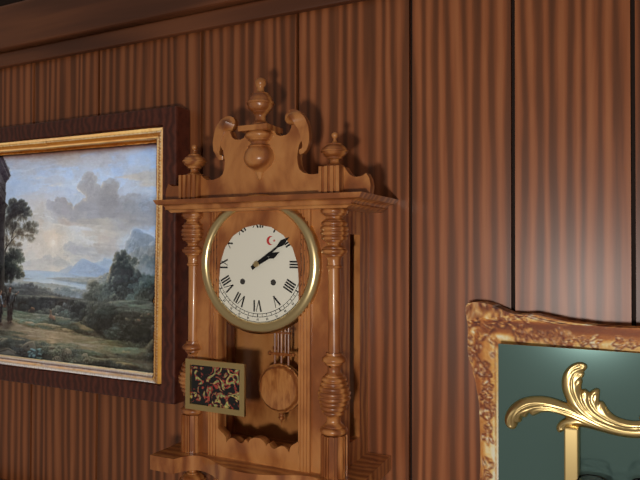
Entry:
2h09
